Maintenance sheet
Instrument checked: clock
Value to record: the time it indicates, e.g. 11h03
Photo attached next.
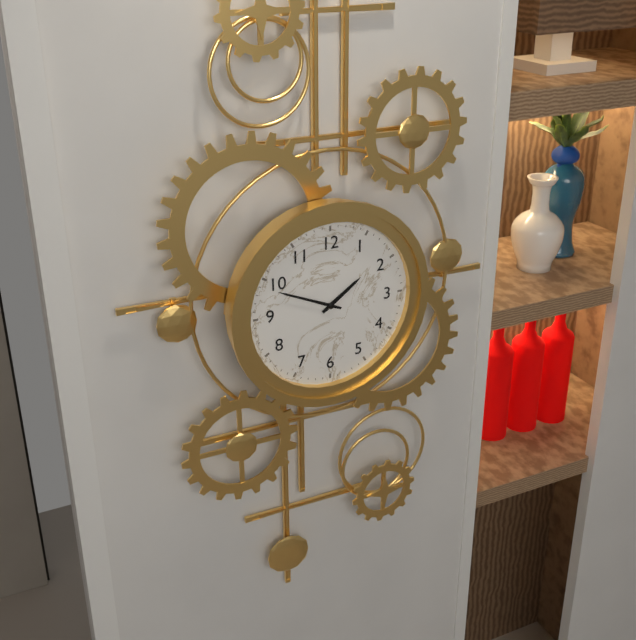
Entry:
1h49
